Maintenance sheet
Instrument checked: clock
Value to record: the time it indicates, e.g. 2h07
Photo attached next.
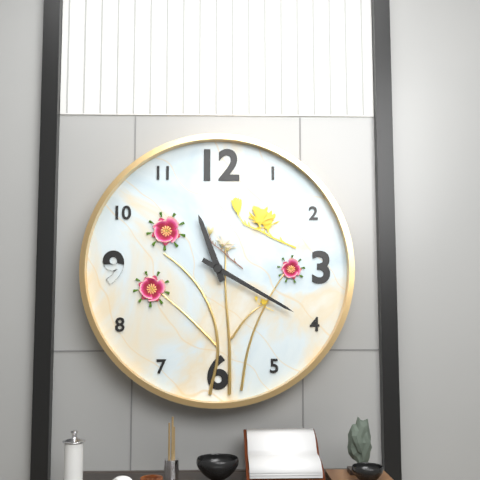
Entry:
11h20
